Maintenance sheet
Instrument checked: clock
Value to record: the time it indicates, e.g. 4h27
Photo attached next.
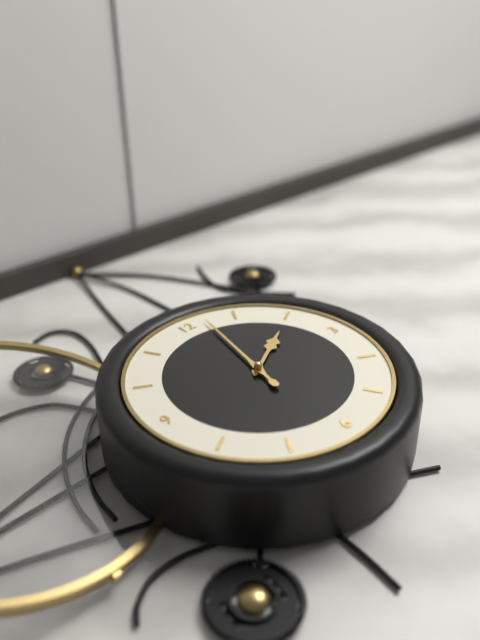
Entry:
2h02
